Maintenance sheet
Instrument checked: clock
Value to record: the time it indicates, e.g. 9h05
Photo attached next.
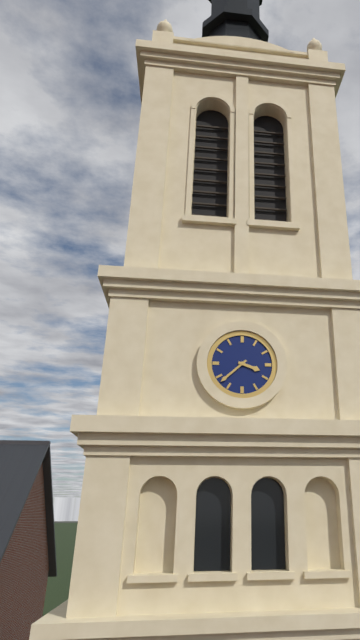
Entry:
3h38
